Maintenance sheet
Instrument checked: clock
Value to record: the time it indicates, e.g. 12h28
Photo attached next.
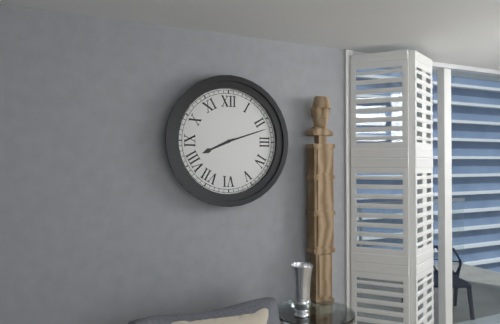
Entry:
8h12
